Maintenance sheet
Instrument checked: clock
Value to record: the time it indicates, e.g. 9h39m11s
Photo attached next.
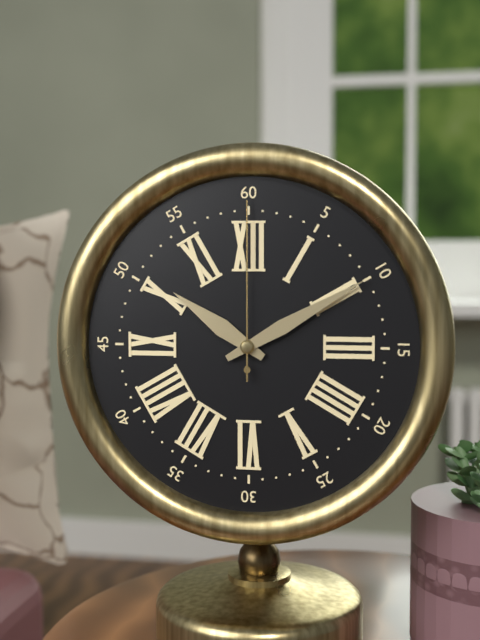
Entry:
10h10m00s
